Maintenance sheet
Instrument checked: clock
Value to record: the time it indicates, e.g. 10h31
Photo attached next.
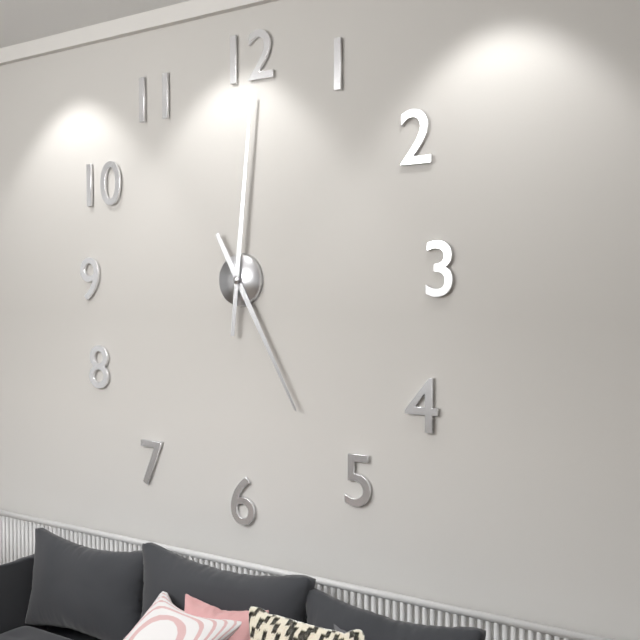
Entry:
5h01
